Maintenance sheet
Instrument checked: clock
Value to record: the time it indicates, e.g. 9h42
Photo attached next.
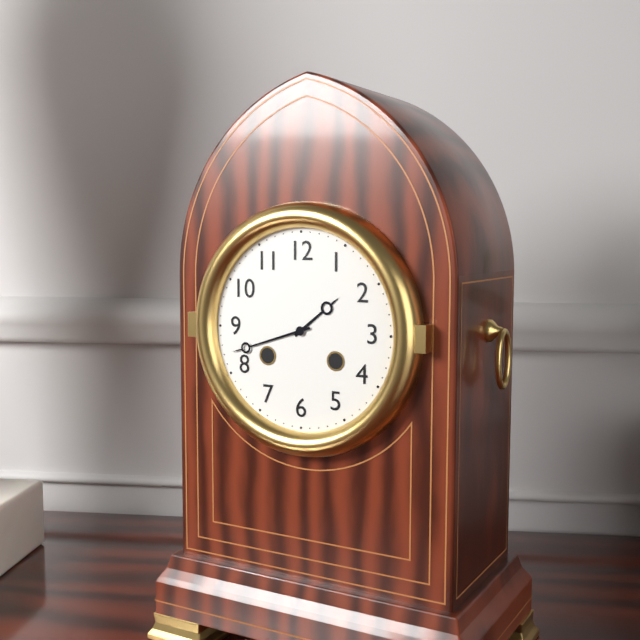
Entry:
1h42
